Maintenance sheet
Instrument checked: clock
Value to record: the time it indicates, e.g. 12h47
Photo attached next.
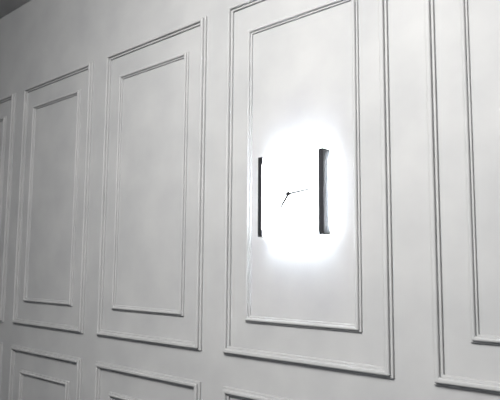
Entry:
7h14
